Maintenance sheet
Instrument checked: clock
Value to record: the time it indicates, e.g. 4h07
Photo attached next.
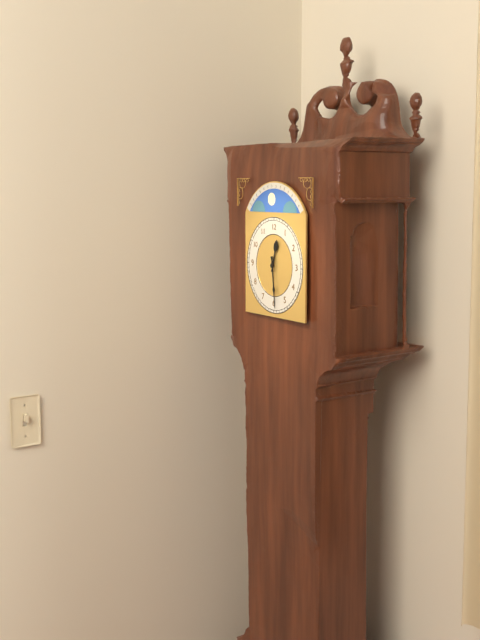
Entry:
12h29
